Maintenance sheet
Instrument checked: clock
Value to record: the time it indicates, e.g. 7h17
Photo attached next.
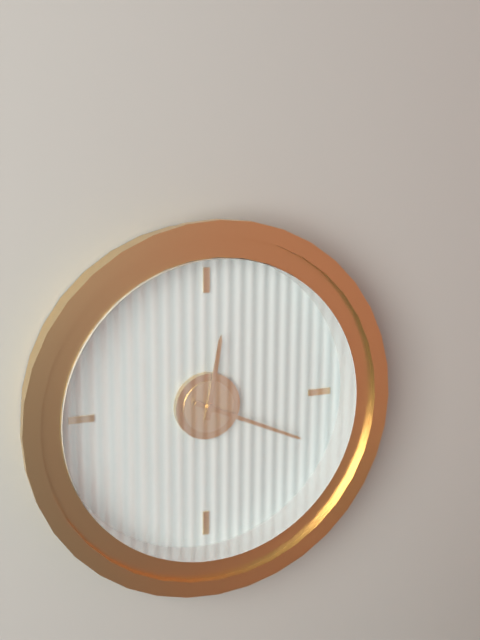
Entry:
12h19
